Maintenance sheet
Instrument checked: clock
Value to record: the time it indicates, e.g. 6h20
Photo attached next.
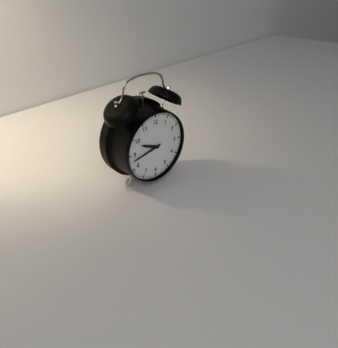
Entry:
9h43
